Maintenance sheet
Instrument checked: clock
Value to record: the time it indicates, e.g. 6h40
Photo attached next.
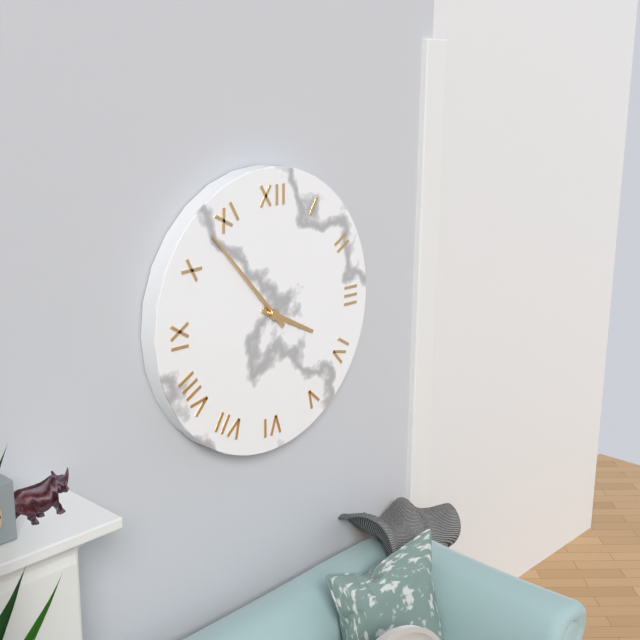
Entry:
3h53
